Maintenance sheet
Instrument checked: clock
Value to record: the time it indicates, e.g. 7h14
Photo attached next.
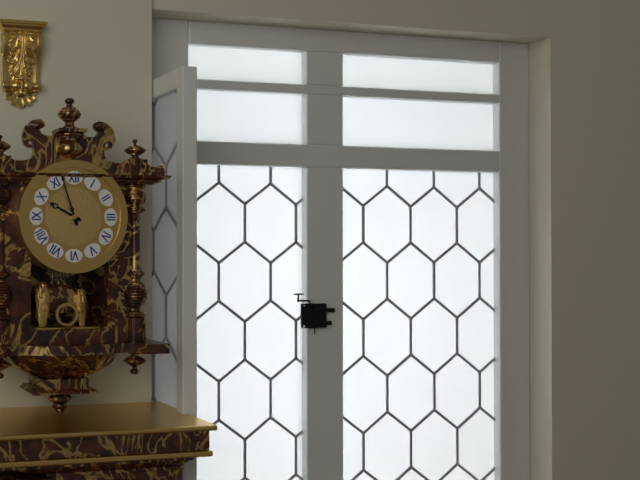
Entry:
9h57
